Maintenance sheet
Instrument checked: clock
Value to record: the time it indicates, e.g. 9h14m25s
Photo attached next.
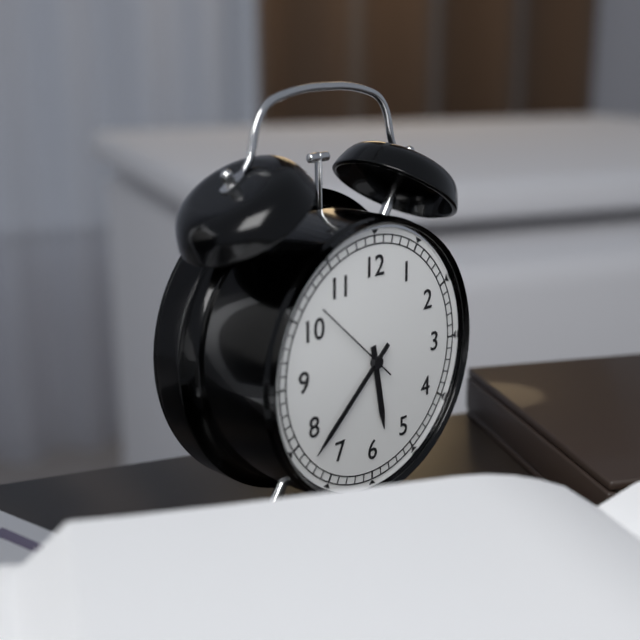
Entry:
5h38m52s
